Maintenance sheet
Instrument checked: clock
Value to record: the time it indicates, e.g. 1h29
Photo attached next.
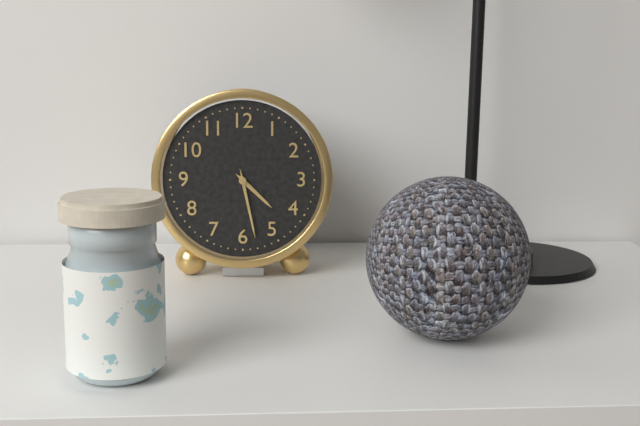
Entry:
4h28
